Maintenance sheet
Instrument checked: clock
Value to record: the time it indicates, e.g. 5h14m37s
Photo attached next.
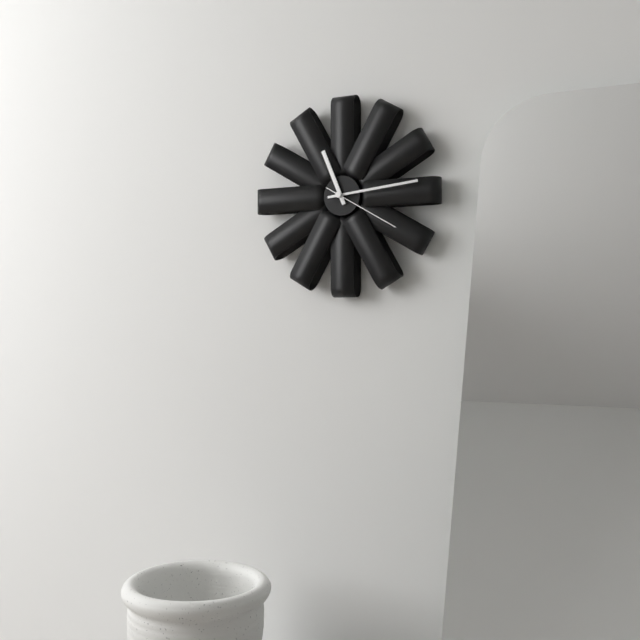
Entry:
11h14m20s
